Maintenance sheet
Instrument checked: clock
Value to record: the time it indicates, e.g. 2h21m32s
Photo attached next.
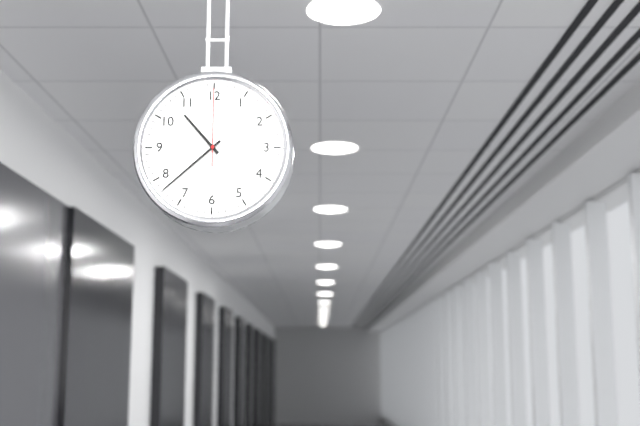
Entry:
10h38m00s
